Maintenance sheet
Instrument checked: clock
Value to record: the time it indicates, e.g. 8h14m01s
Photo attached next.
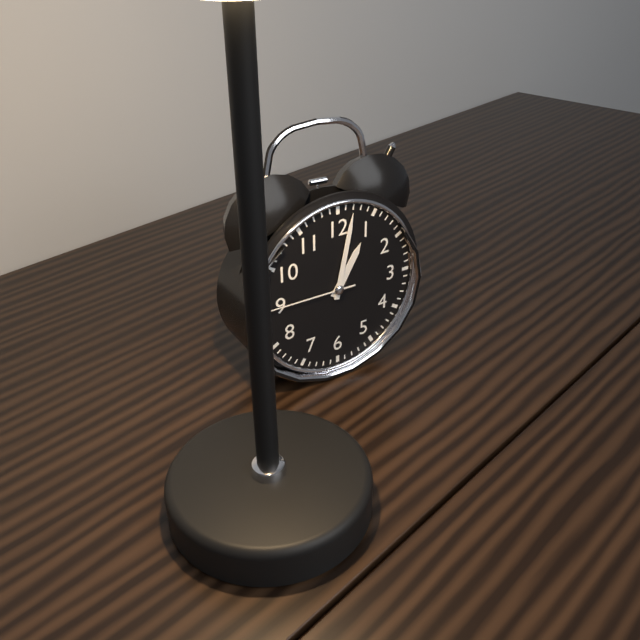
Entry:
1h02m45s
